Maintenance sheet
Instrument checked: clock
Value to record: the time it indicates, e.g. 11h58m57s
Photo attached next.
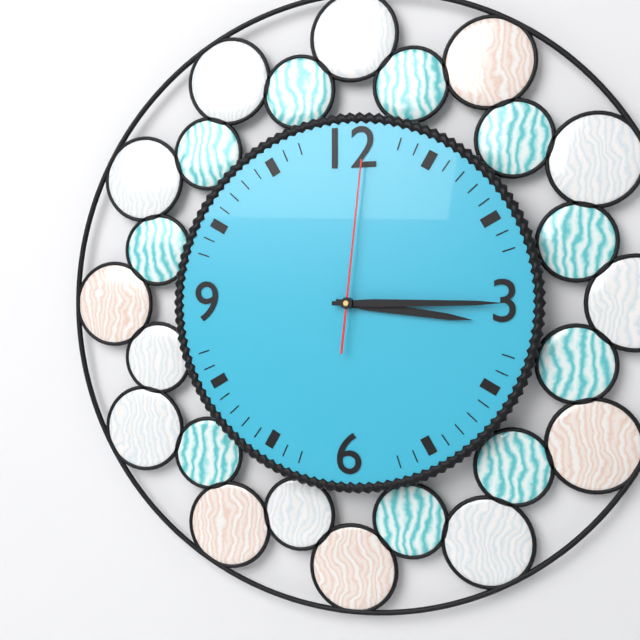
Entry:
3h15m01s
